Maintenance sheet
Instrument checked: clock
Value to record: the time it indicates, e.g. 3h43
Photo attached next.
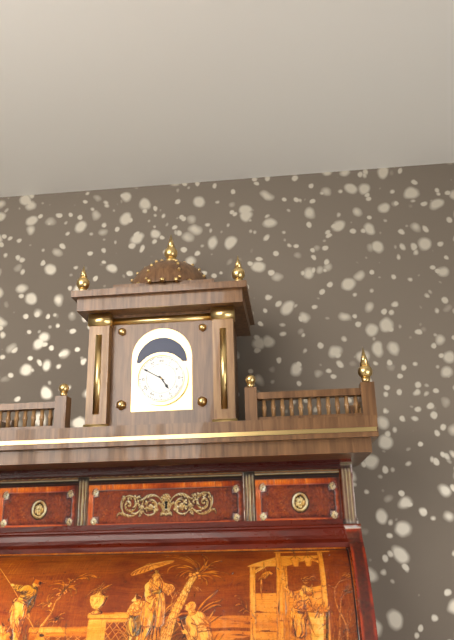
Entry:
4h50
